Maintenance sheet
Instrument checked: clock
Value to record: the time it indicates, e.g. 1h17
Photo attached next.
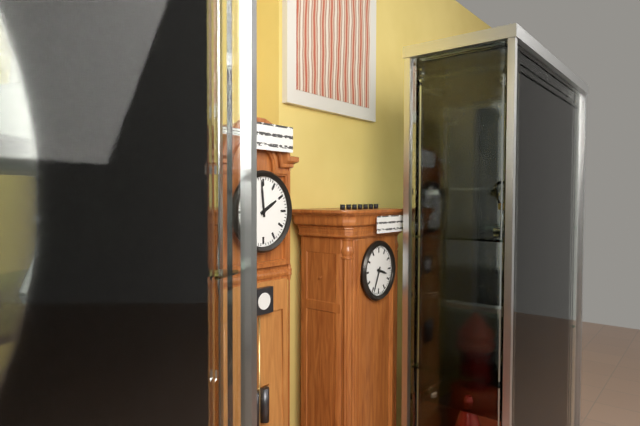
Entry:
1h59
